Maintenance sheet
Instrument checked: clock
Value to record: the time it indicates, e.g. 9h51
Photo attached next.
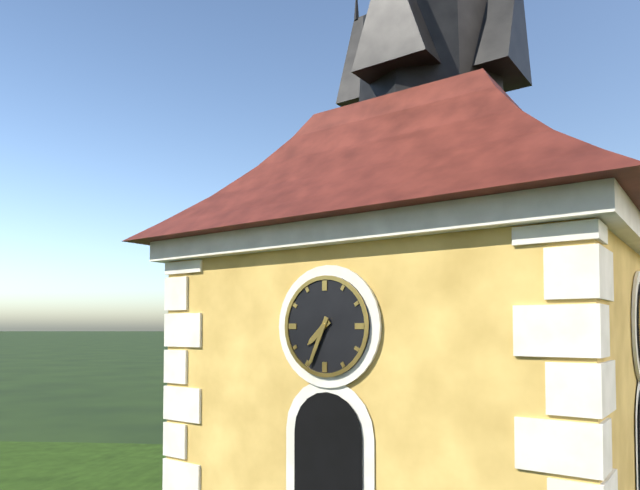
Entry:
7h34
